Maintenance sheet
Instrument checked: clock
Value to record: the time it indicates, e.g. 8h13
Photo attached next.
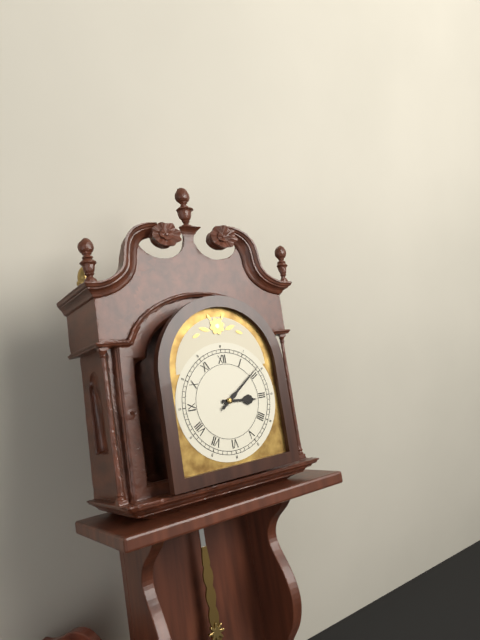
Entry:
3h09
